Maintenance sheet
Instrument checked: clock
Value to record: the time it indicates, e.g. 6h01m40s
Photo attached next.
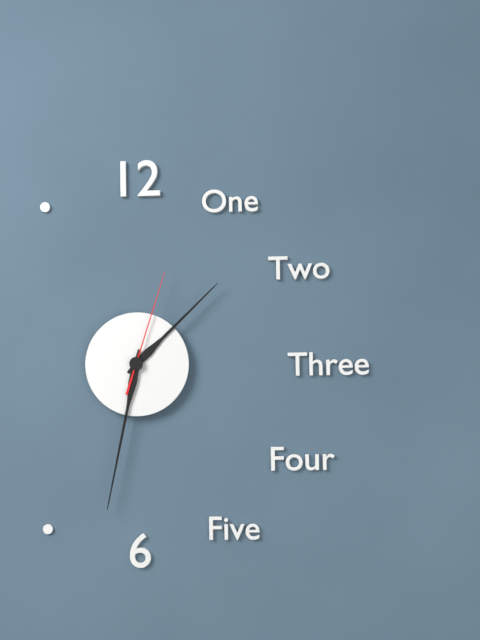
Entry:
1h32m03s
